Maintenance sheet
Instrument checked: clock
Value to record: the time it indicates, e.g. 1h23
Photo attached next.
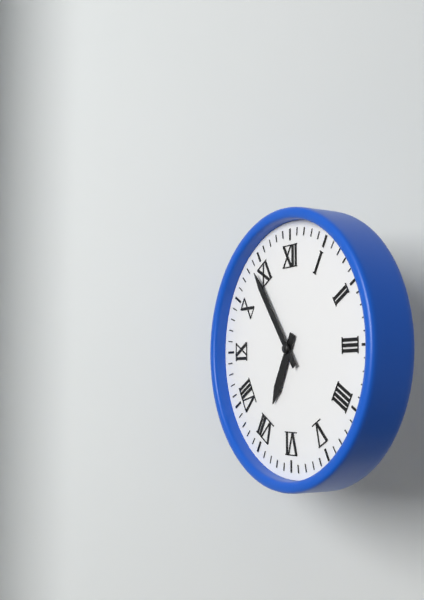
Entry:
6h54
